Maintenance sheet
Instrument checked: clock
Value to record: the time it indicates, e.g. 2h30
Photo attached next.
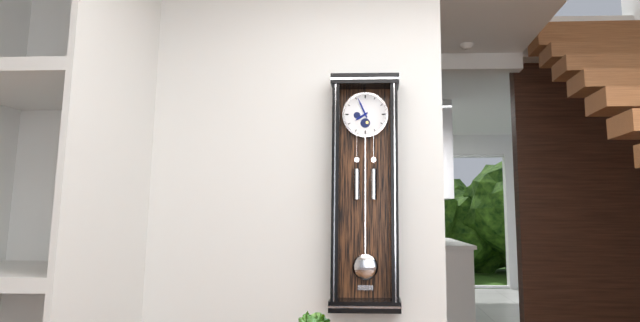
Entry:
7h56
